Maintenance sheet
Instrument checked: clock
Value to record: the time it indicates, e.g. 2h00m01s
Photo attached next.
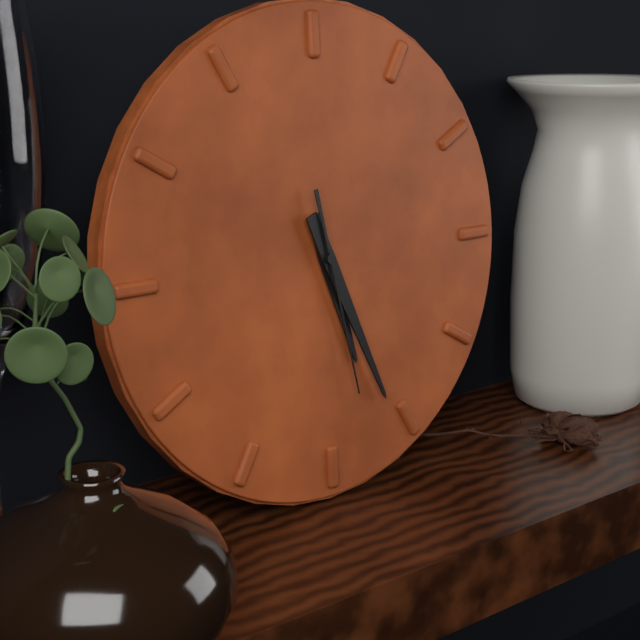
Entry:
5h26m28s
